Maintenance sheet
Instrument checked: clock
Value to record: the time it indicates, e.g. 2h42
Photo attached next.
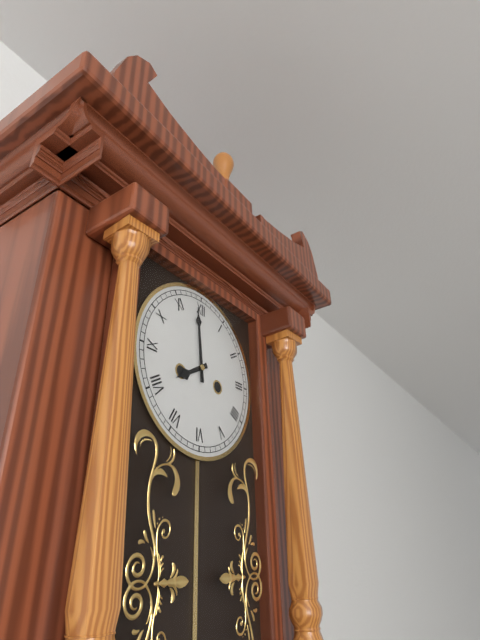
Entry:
7h59
